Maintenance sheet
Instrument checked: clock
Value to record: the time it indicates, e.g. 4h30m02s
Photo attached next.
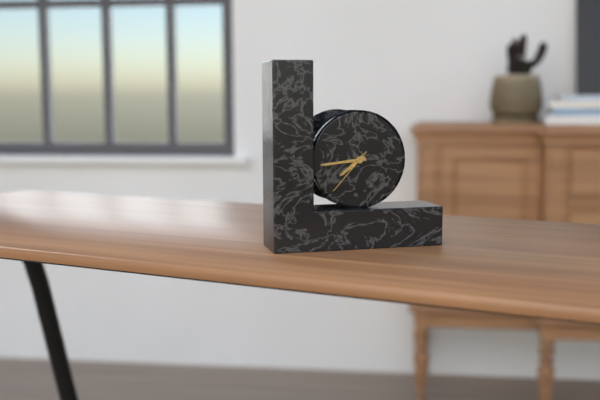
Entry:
7h44m37s
